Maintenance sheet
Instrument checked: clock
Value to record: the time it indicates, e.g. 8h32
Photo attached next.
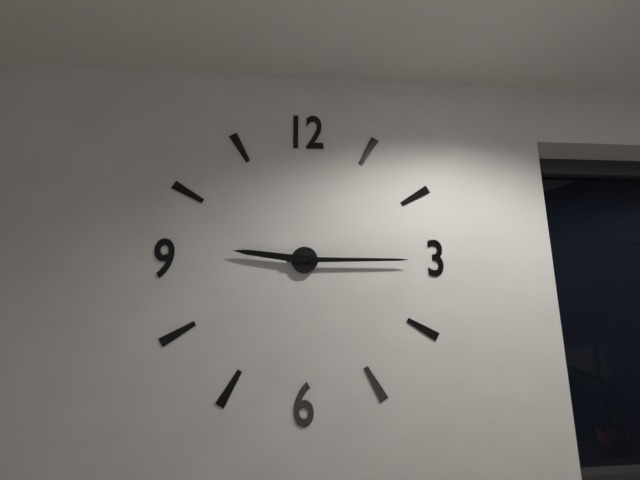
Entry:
9h15
